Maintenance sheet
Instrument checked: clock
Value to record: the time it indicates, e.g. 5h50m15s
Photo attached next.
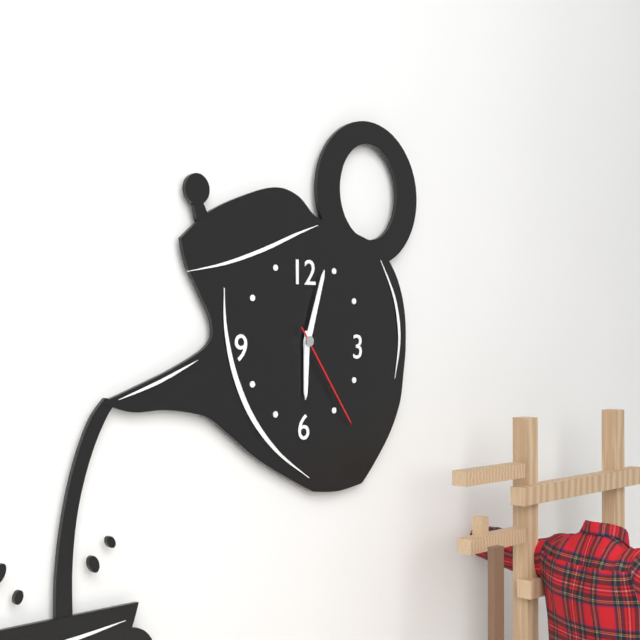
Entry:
6h03m24s
